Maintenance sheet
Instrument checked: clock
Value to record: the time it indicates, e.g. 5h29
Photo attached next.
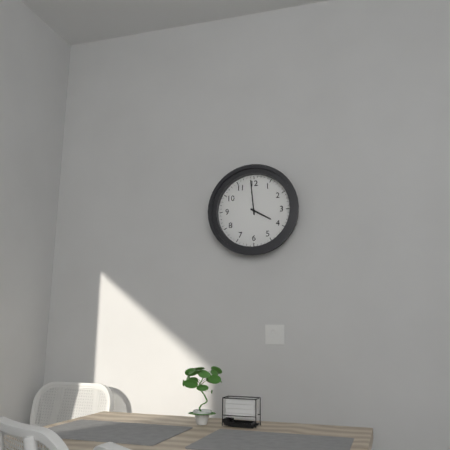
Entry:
3h59
